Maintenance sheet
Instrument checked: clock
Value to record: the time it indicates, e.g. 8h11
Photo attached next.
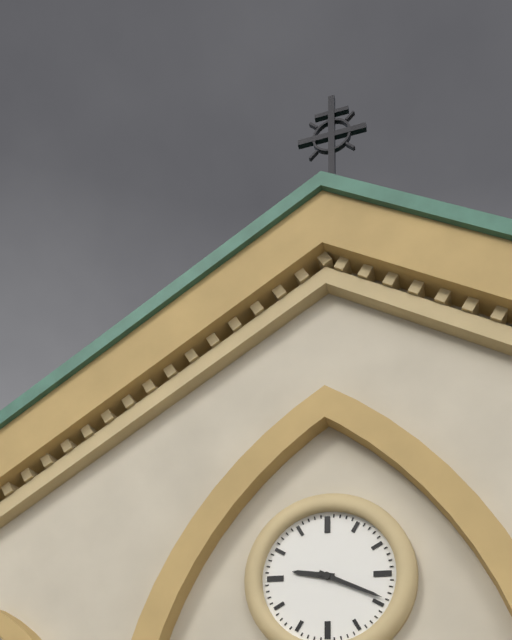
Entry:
9h19
